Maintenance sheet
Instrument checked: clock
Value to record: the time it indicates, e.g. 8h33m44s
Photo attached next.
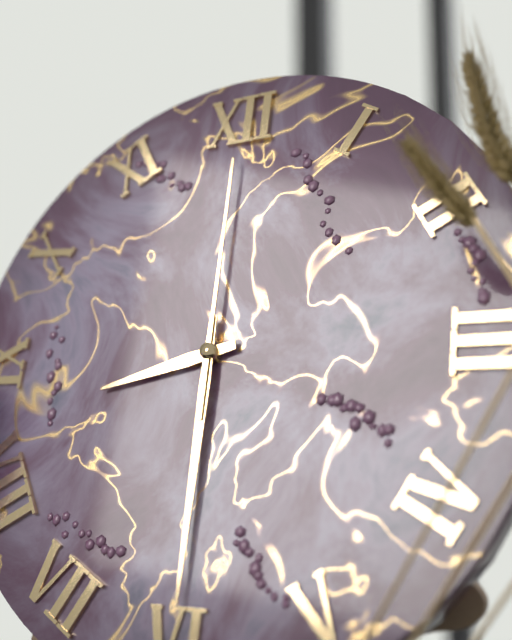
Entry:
8h30m00s
